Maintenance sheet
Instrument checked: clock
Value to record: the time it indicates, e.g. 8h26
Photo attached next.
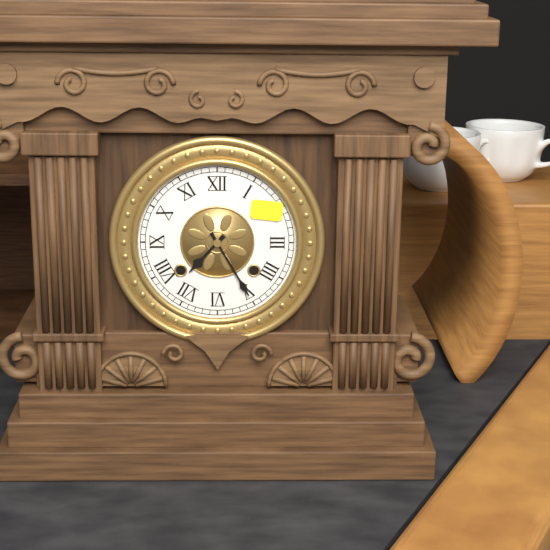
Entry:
7h25
